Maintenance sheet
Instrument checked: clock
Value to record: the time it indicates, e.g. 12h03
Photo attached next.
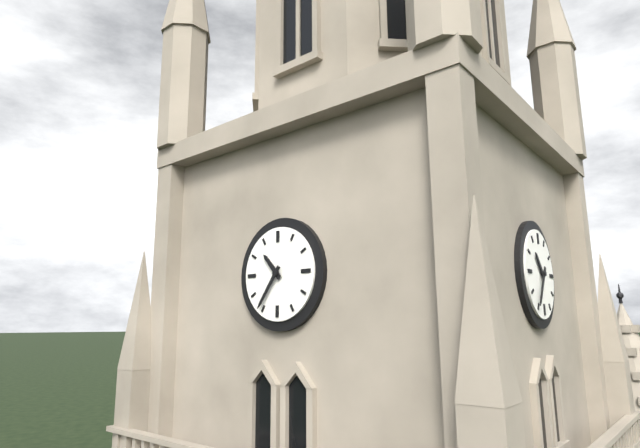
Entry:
10h36
